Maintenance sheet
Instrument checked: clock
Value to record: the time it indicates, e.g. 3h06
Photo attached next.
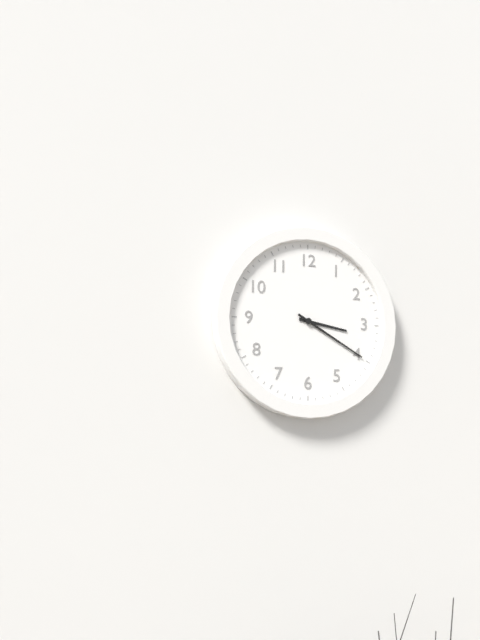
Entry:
3h20
